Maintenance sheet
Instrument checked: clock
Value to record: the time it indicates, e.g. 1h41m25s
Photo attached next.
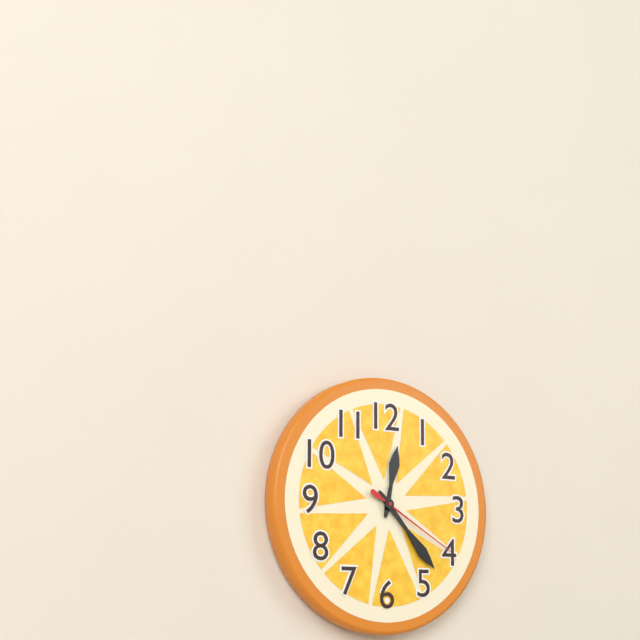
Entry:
12h23m20s
